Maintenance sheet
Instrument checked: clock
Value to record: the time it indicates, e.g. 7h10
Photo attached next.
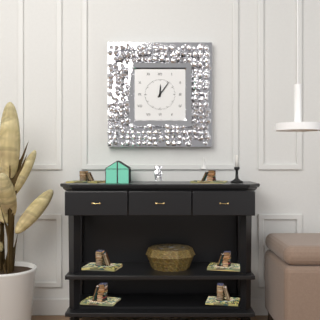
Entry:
12h06
